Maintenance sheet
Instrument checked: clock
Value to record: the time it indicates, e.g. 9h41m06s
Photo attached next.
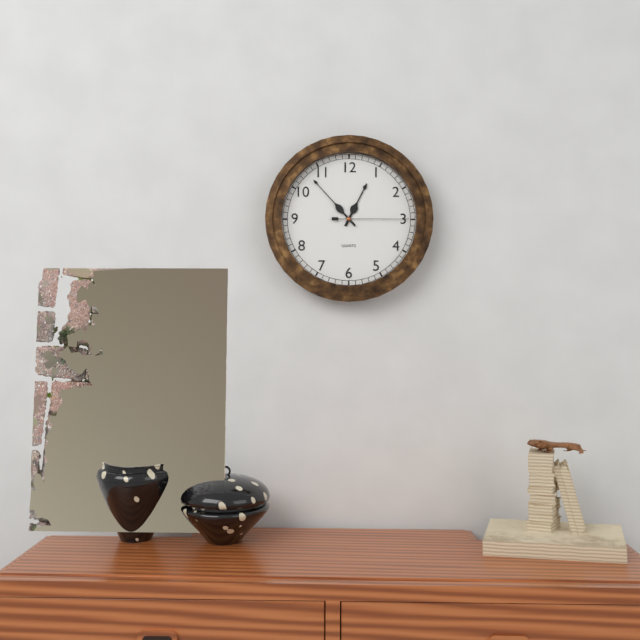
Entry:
12h53m15s
